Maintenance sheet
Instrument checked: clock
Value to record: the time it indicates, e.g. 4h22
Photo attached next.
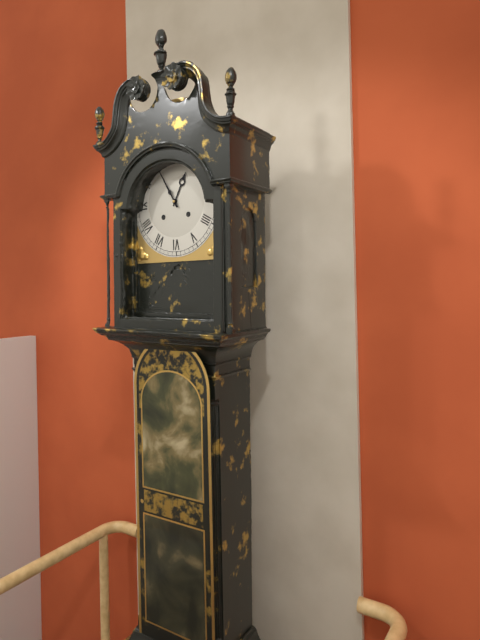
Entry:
12h55
